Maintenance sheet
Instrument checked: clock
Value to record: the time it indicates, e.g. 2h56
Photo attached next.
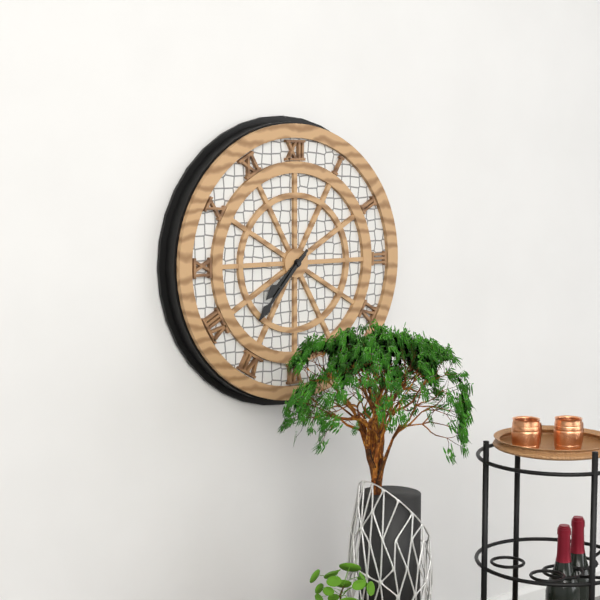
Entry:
7h37
